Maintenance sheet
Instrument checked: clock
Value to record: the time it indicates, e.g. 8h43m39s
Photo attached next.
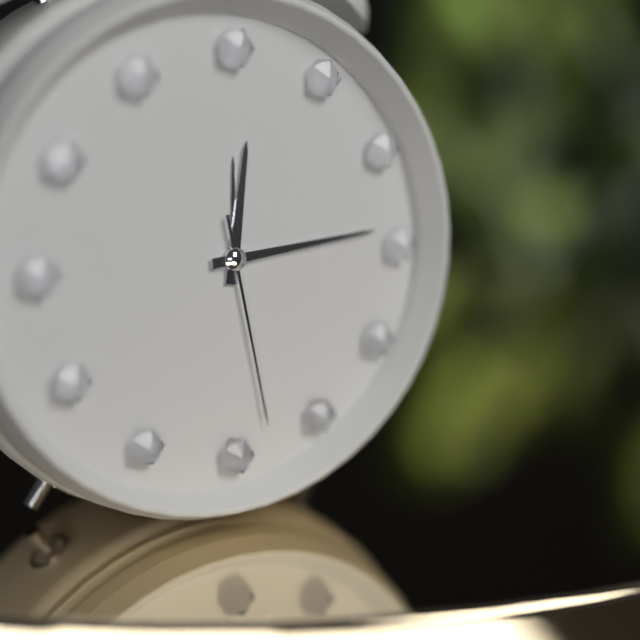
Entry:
12h14m28s
